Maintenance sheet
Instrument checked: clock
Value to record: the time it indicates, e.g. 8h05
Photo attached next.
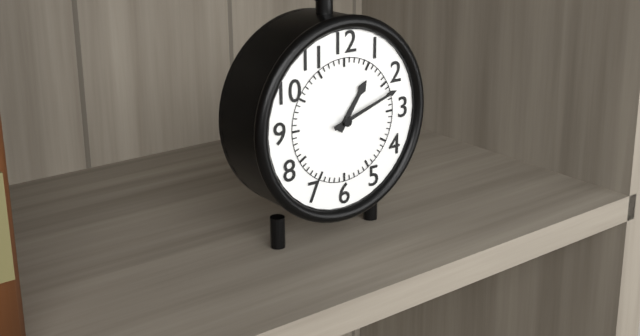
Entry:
1h12
